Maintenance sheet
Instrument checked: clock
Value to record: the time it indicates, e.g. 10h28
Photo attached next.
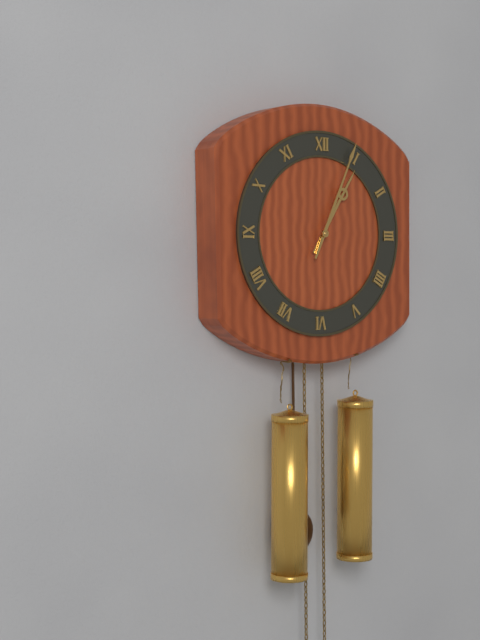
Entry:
1h04
